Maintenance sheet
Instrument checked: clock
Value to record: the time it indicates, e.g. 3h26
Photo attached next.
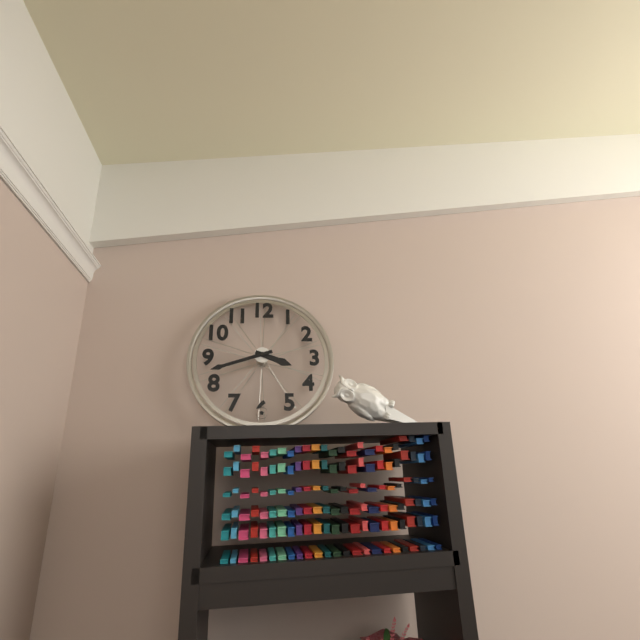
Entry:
3h42
